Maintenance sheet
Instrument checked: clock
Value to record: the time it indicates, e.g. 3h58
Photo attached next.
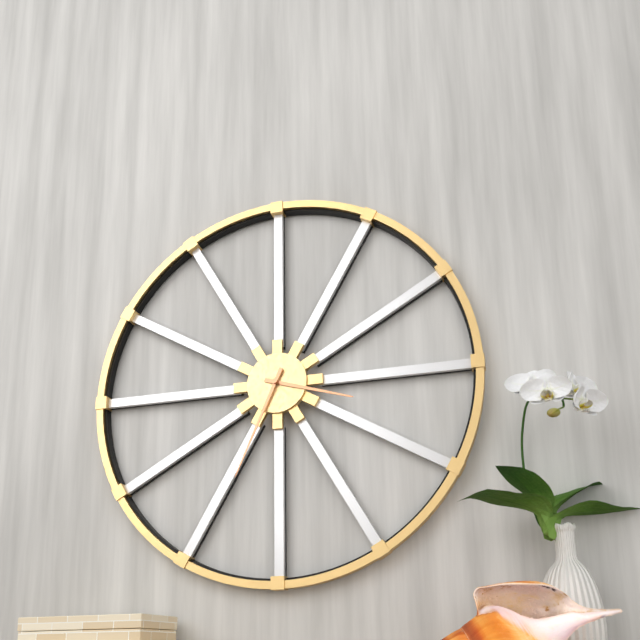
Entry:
3h34
